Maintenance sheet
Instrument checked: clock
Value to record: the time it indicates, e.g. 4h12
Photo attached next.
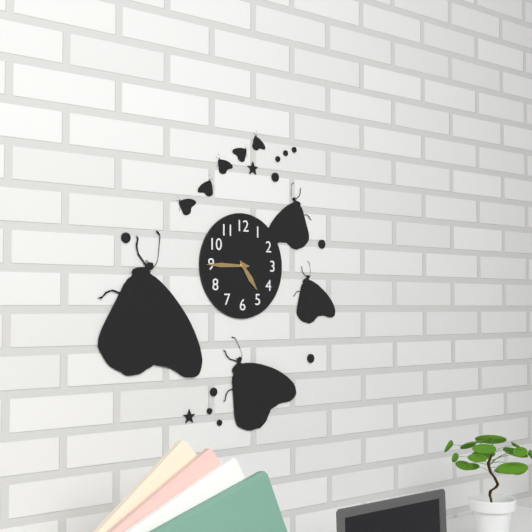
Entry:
4h45
